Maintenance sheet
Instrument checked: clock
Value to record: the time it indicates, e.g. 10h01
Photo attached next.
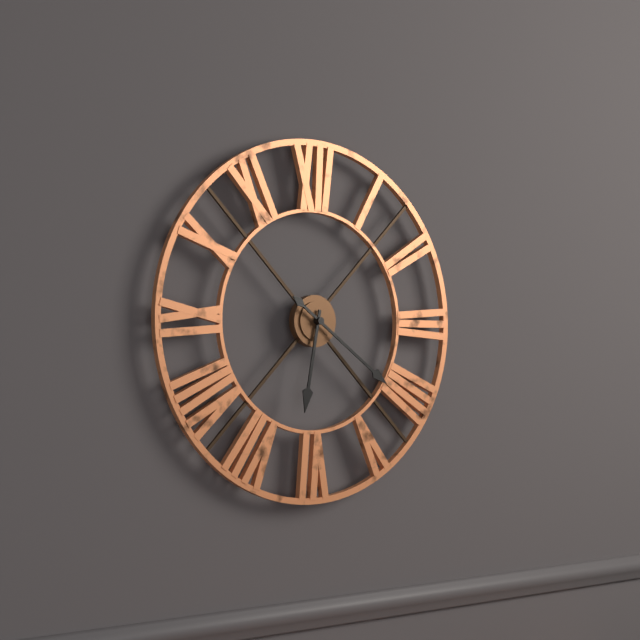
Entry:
6h21
